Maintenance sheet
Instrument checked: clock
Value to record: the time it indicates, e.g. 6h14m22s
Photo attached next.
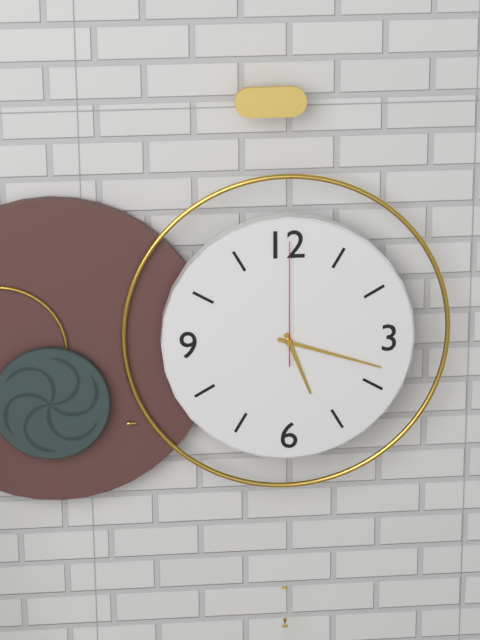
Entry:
5h18m00s
